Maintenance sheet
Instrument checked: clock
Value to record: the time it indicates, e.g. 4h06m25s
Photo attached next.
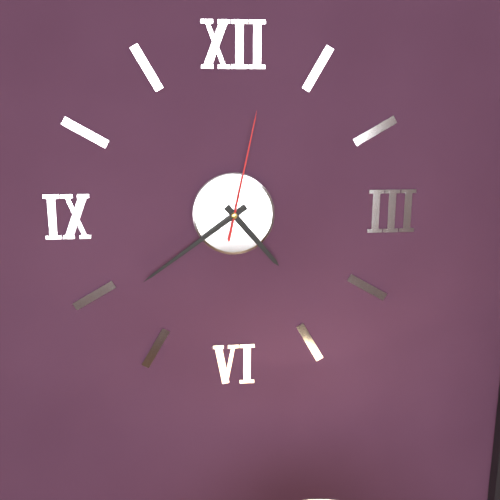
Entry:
4h39m02s
